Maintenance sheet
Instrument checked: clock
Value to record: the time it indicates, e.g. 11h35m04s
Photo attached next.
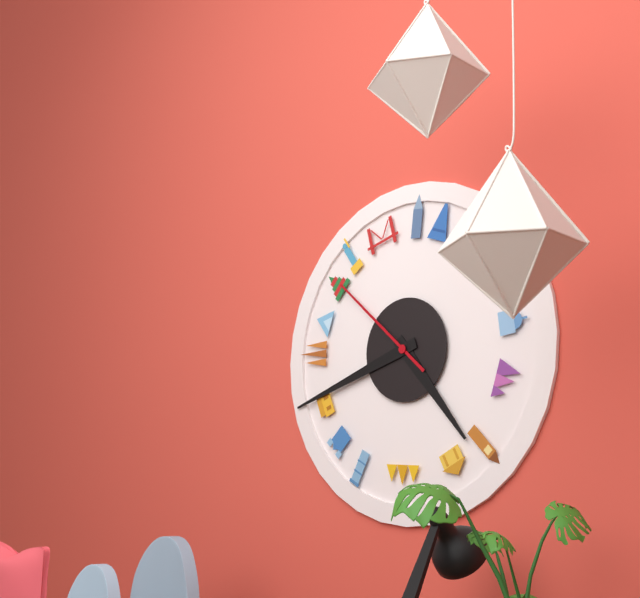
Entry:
4h42m52s
